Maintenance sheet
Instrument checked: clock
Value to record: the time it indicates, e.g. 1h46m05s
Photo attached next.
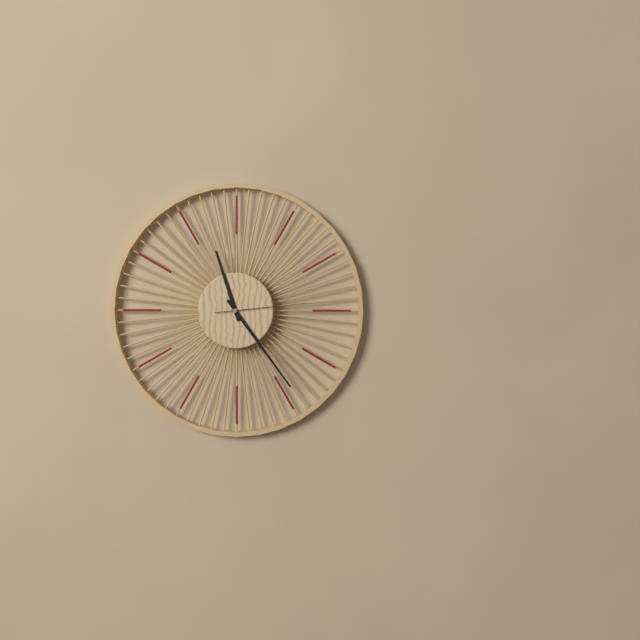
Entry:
11h24m14s
